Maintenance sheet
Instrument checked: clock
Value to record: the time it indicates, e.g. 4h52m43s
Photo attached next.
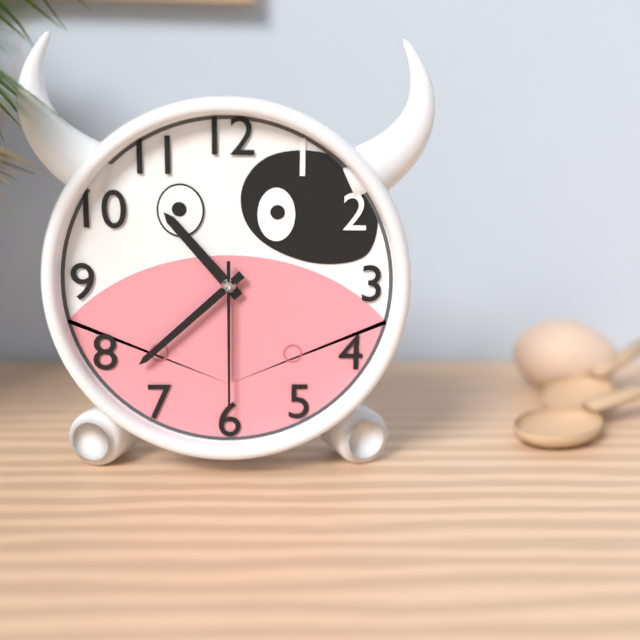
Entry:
10h38m30s
